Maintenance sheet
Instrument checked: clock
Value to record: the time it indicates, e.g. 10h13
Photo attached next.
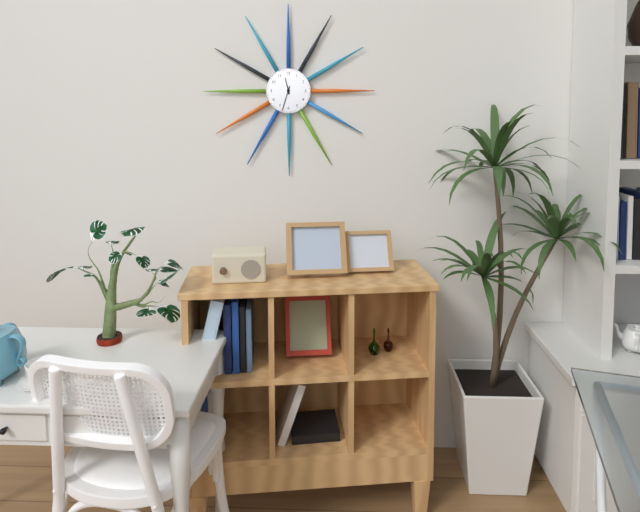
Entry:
11h33
